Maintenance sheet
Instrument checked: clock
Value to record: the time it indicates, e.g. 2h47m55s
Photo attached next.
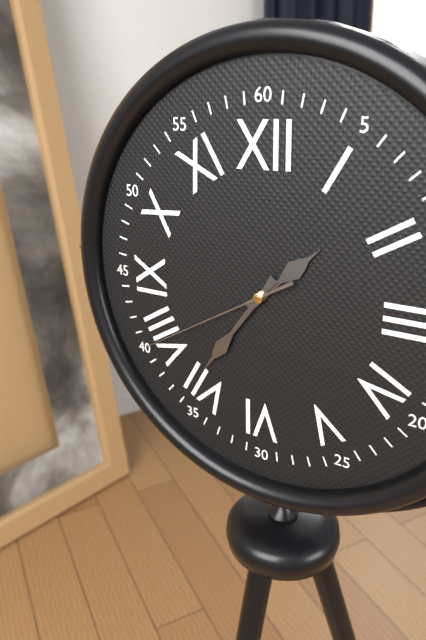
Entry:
1h36m40s
